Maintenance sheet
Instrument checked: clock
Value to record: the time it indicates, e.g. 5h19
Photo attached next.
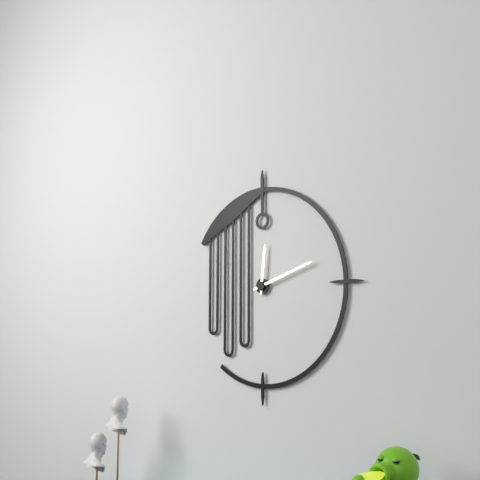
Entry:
12h12
